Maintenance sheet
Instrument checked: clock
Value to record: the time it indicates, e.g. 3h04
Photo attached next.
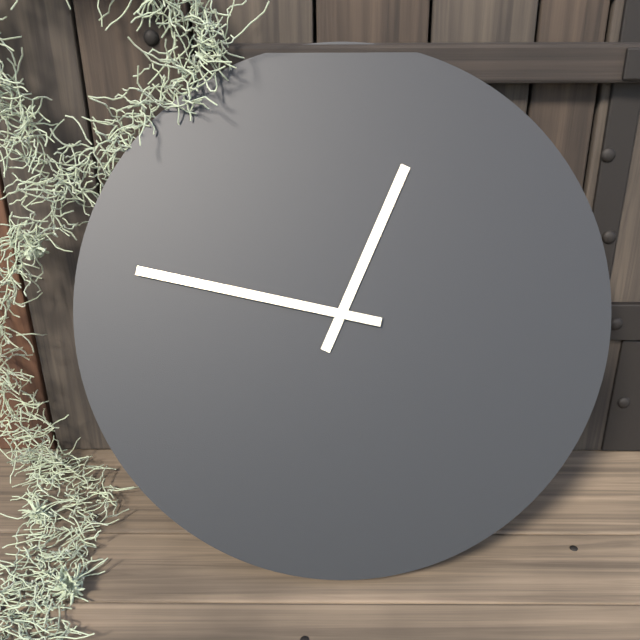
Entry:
12h47
